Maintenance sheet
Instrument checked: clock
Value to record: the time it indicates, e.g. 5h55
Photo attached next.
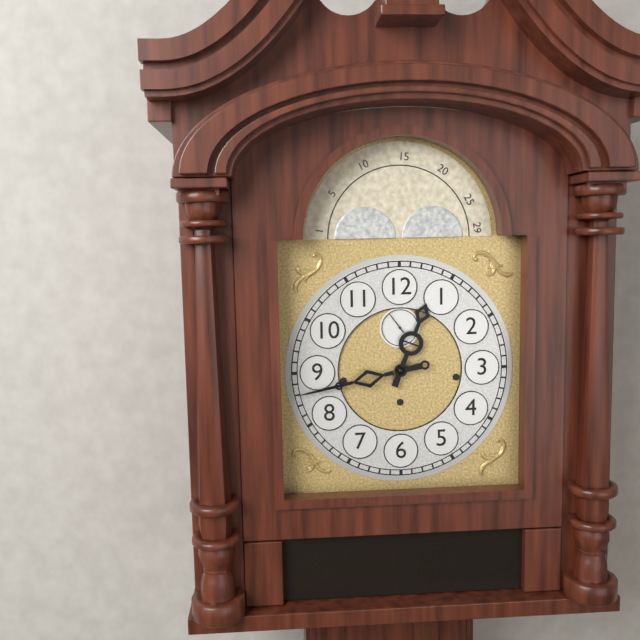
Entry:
12h43
